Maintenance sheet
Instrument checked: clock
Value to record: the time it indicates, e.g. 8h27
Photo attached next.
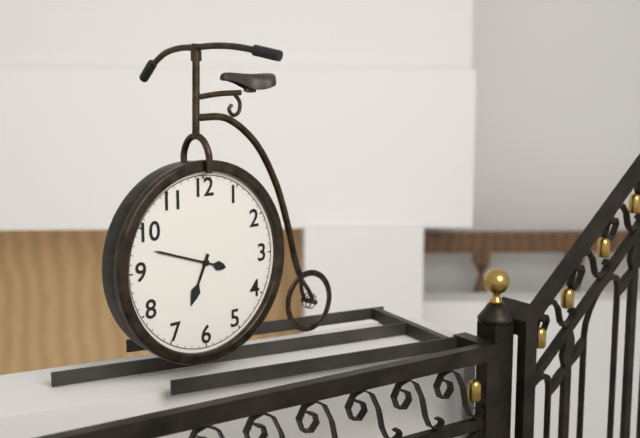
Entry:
6h48
